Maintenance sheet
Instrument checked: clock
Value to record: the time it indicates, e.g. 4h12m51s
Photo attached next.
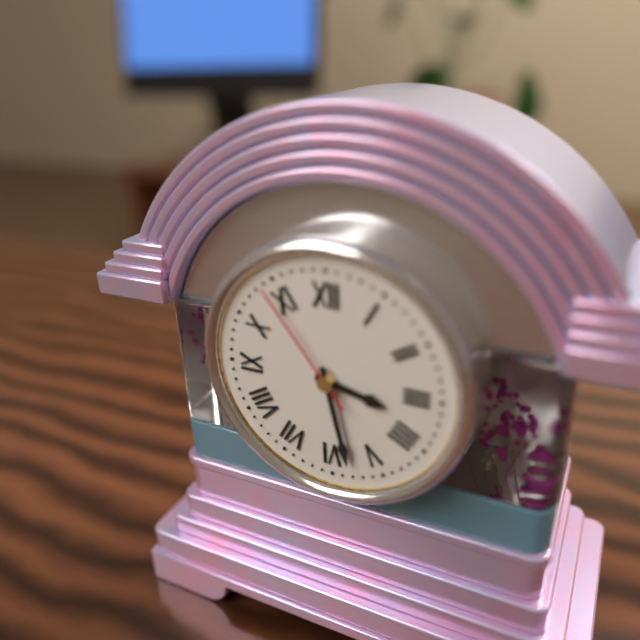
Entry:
3h28m54s
